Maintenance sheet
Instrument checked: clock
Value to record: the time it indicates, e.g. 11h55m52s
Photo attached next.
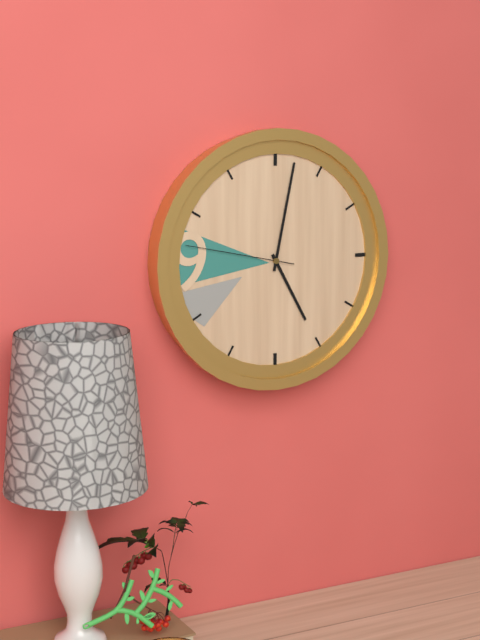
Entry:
5h02m47s
